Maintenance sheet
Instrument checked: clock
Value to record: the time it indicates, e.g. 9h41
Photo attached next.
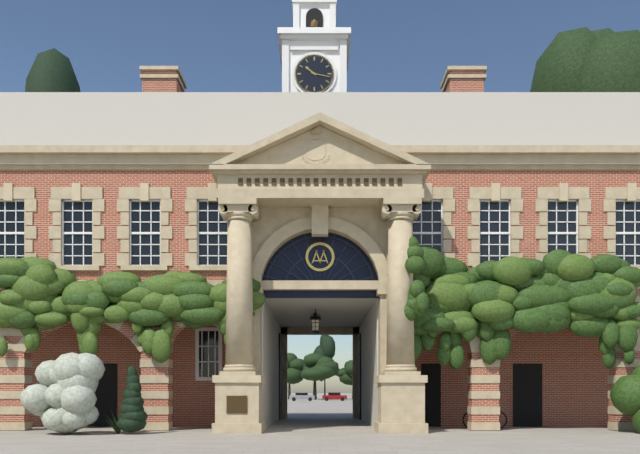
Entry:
10h17
